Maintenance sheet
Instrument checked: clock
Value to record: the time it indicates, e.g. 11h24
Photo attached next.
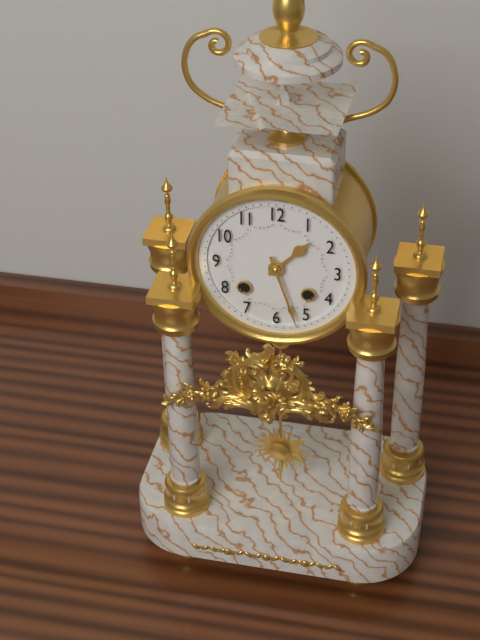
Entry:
1h27
